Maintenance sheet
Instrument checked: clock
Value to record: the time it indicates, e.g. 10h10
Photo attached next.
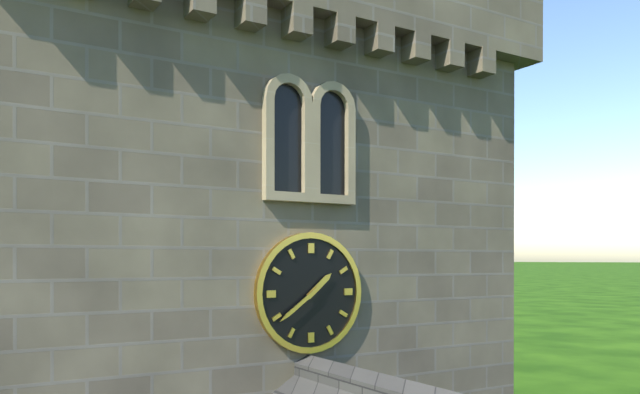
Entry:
1h39
